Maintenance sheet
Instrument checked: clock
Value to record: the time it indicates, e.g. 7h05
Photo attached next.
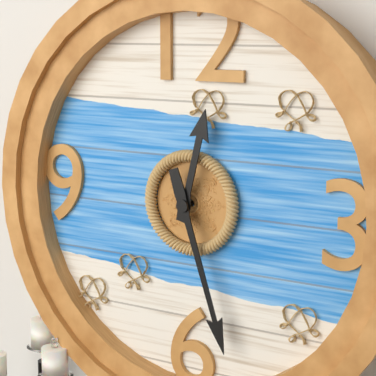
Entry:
12h27
